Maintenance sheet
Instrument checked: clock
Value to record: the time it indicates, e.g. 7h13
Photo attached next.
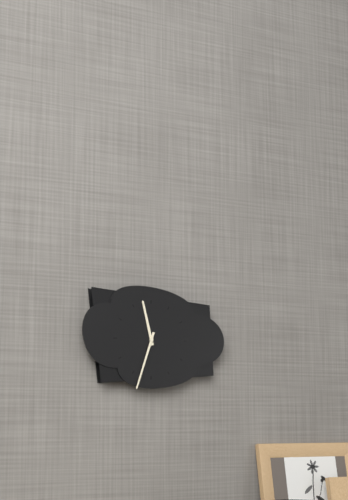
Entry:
11h33
